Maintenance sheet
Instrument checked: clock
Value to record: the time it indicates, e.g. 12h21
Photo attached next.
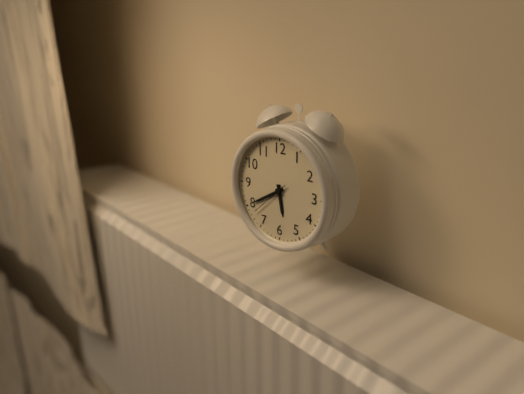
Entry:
5h40
